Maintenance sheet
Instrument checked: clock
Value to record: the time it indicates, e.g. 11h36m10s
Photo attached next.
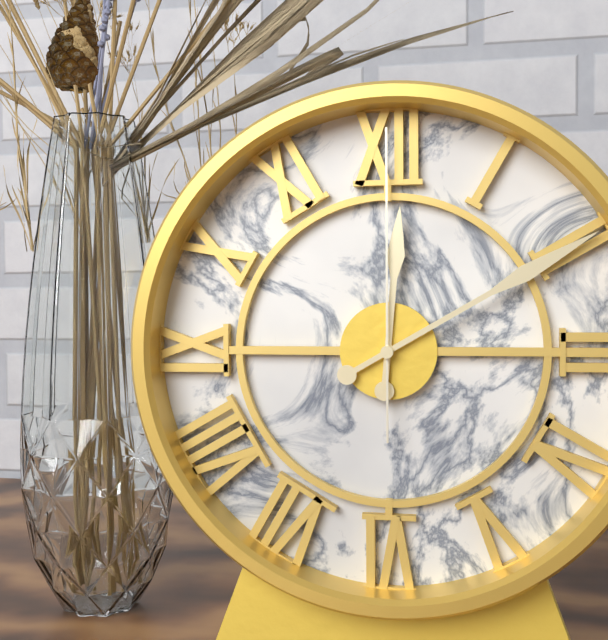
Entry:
12h10m00s
